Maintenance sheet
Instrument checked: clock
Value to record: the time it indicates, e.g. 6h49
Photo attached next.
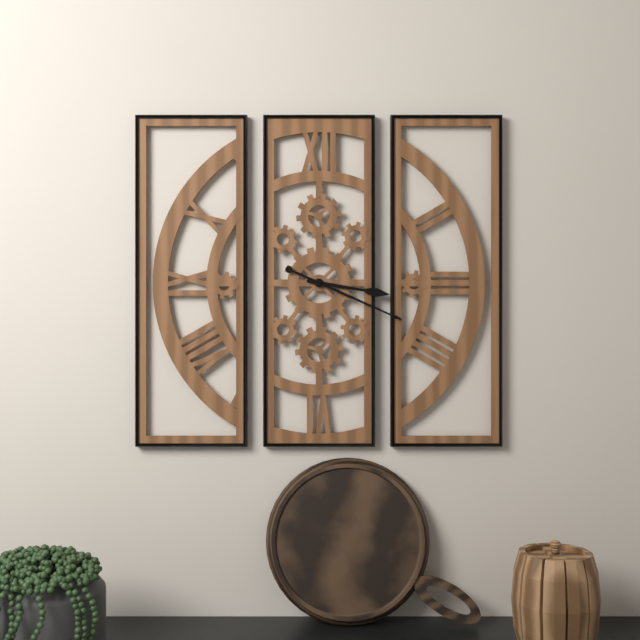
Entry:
3h19
